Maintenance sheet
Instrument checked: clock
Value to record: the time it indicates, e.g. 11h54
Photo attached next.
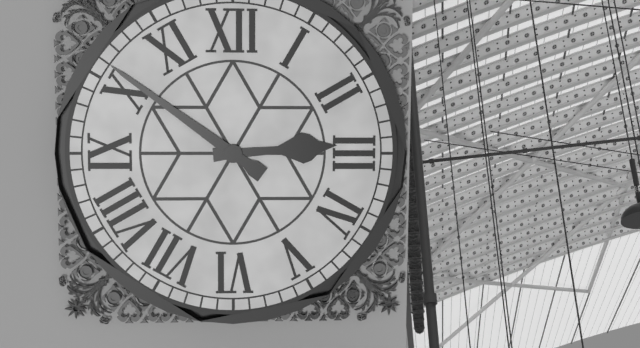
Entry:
2h51
